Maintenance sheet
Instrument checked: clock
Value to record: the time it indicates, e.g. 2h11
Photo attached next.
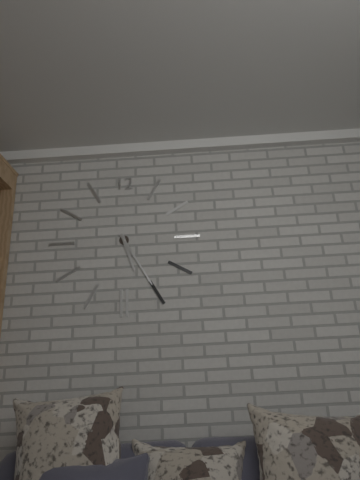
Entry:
5h25
